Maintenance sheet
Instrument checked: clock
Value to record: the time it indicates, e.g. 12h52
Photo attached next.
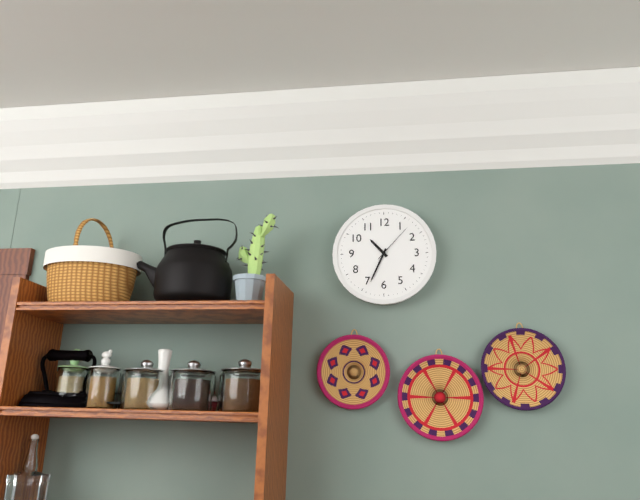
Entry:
10h34
